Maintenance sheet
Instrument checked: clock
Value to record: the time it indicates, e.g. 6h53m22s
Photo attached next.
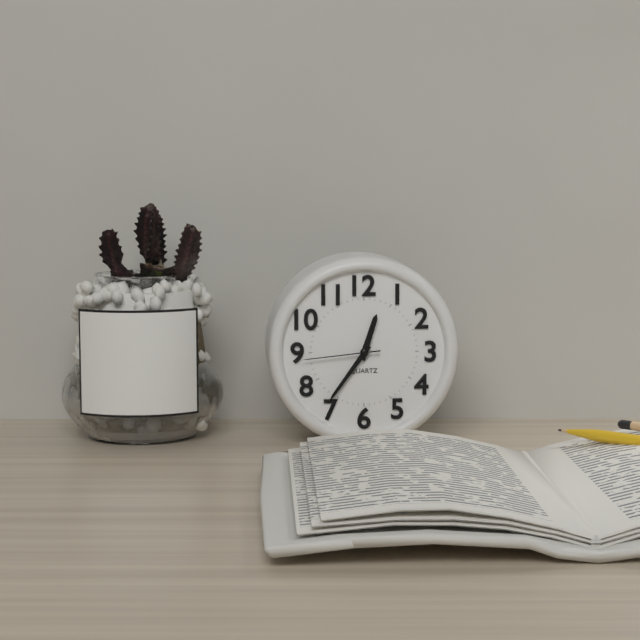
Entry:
12h36m44s
